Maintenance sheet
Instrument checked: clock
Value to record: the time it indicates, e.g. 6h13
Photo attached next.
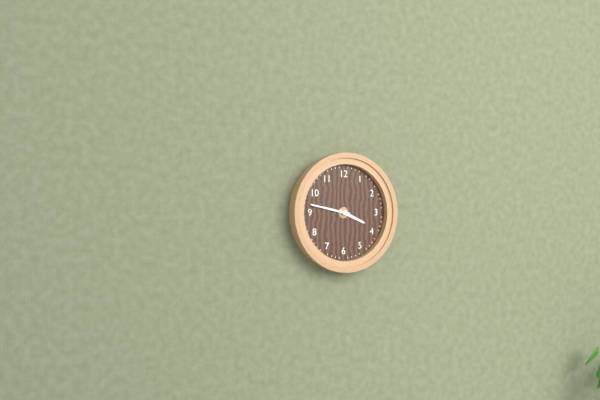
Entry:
3h47
